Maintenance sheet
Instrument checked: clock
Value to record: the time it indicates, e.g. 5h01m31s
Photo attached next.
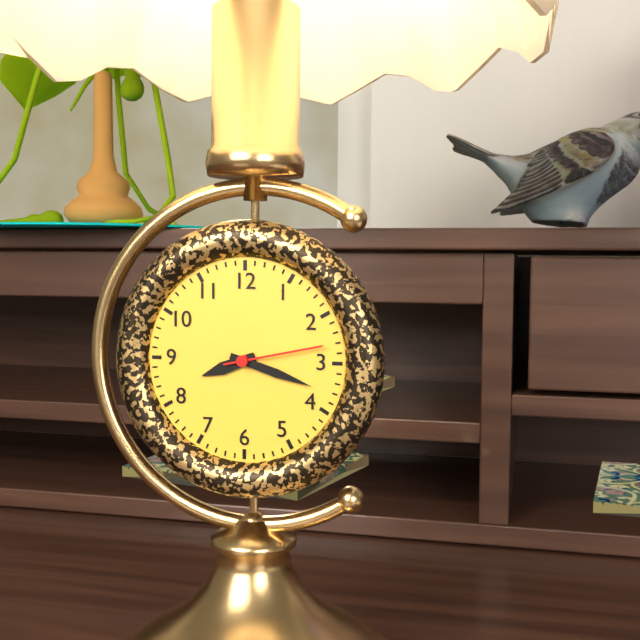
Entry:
8h18m13s
